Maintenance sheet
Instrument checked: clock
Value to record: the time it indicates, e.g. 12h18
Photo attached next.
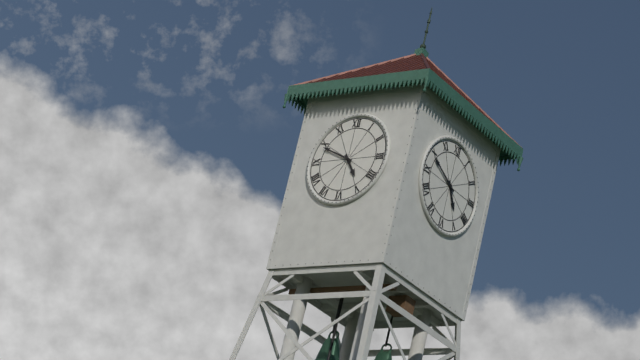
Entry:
4h49
